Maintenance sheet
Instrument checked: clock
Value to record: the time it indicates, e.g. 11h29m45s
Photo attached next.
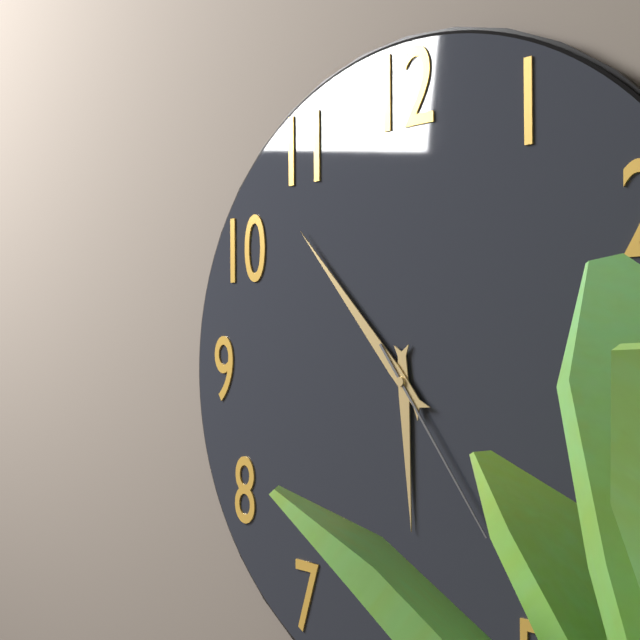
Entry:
5h53m24s
